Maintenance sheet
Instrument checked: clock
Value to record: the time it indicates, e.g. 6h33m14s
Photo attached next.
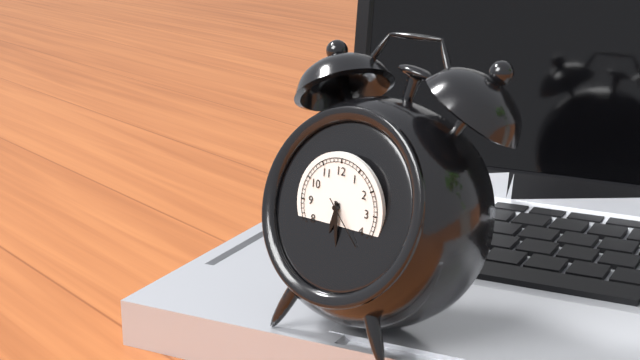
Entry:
6h29m23s
